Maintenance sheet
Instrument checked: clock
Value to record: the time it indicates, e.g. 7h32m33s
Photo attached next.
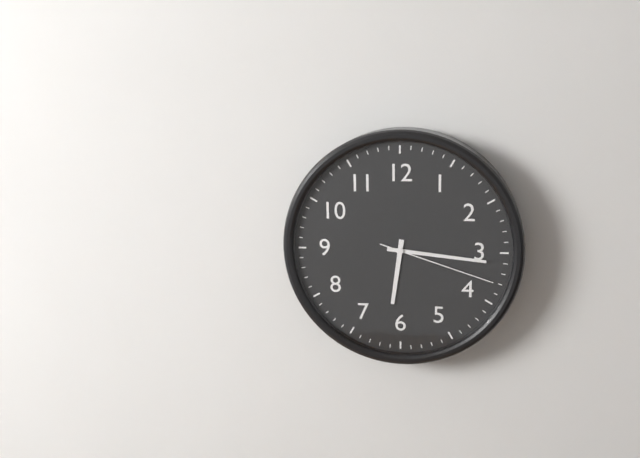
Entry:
6h16m18s
